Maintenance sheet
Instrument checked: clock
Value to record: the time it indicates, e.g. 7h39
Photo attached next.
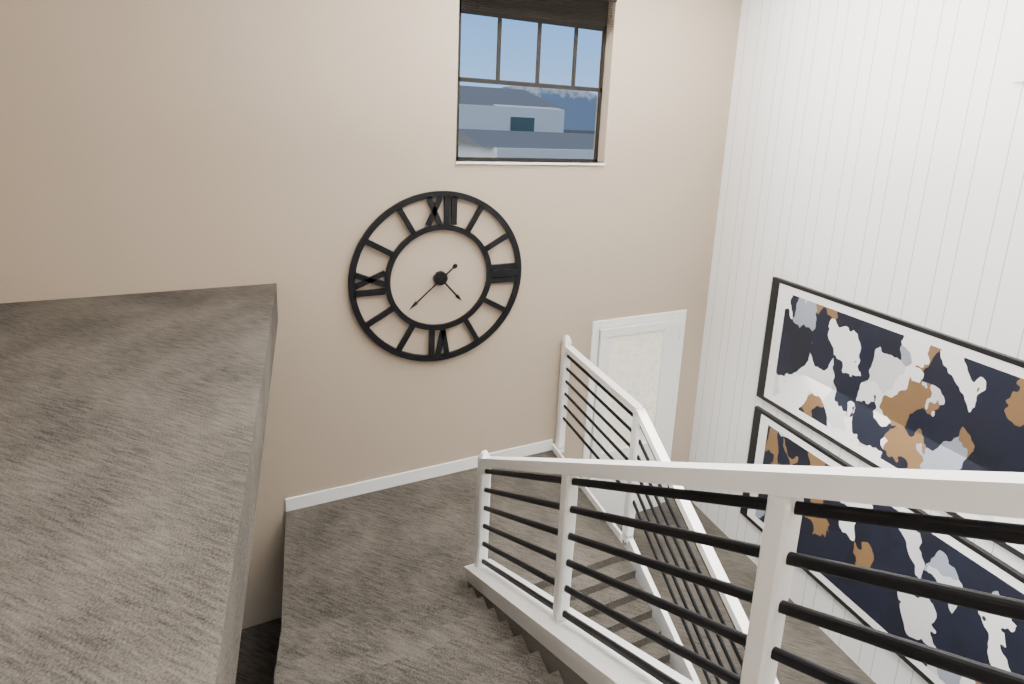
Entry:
4h38
